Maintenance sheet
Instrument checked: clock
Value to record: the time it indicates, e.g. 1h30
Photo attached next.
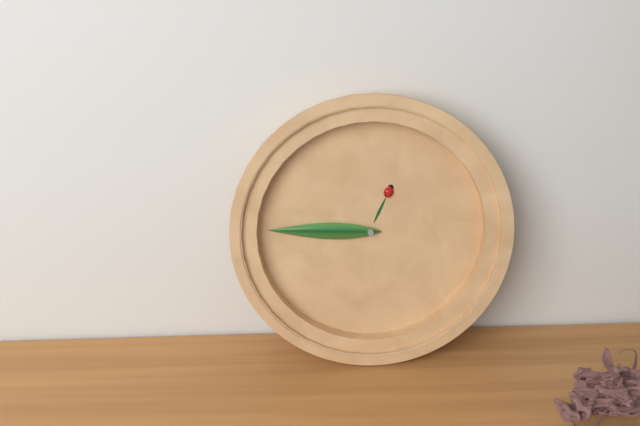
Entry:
12h45
